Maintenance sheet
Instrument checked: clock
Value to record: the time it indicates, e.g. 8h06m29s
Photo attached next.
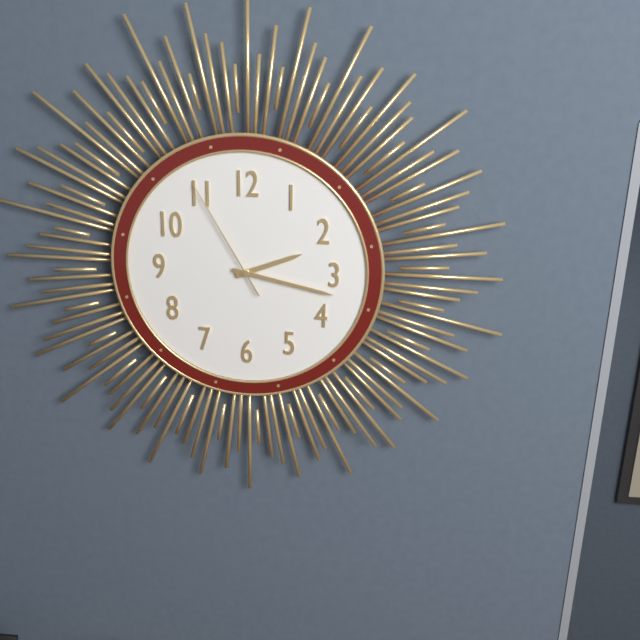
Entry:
2h17m55s
